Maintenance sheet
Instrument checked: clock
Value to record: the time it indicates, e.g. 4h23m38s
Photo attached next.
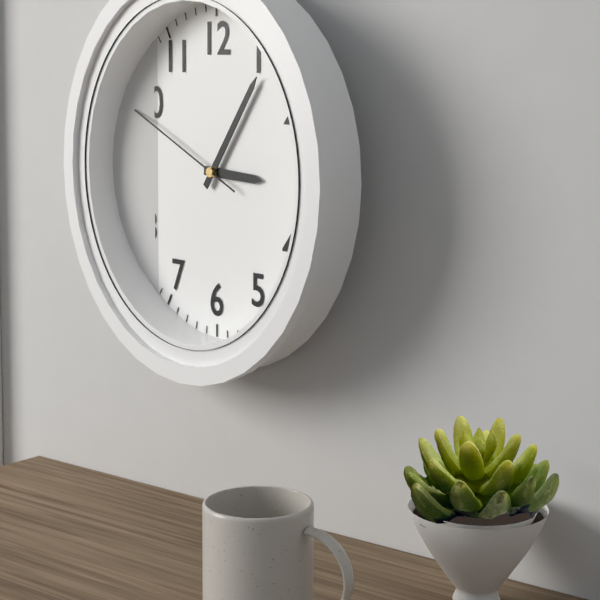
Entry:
3h06m49s
